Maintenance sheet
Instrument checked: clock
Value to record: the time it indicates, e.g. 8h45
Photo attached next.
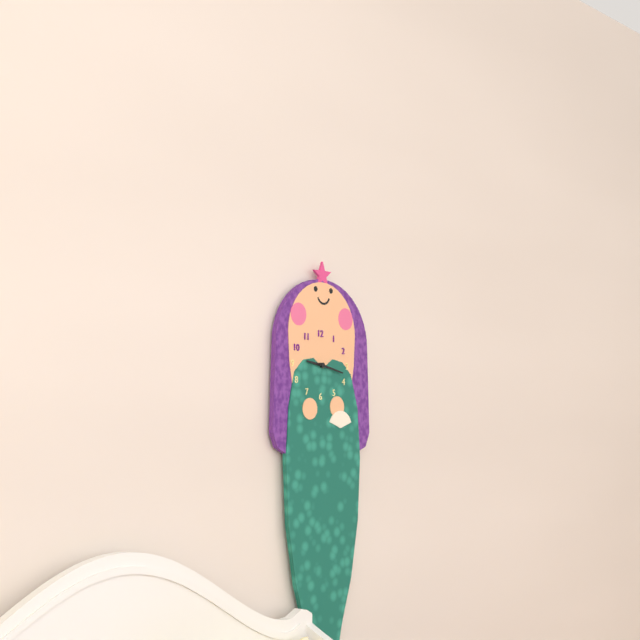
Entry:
9h17
